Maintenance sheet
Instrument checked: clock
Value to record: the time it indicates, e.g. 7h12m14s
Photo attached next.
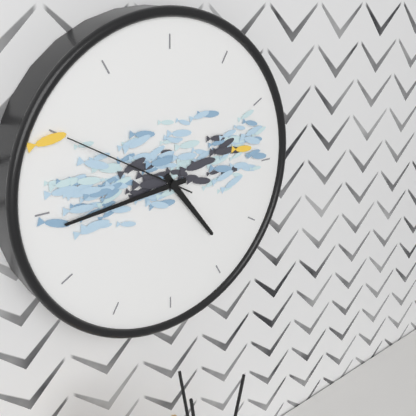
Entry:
4h44m50s
